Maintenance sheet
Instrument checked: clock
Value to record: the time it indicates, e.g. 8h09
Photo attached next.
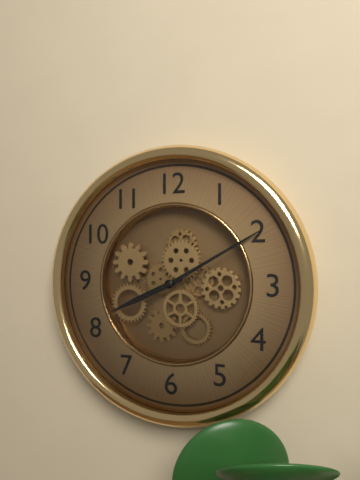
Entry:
8h10
